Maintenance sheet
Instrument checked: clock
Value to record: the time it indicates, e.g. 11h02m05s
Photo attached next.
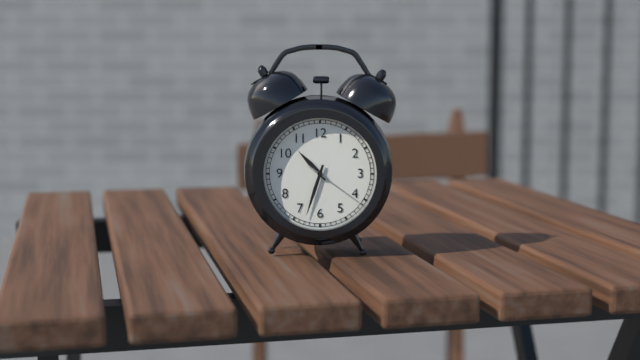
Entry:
10h33m21s
